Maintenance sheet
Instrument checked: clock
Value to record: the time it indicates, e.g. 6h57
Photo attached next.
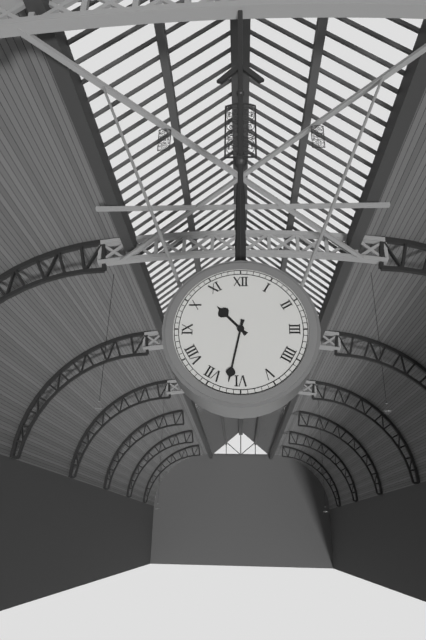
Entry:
10h32
